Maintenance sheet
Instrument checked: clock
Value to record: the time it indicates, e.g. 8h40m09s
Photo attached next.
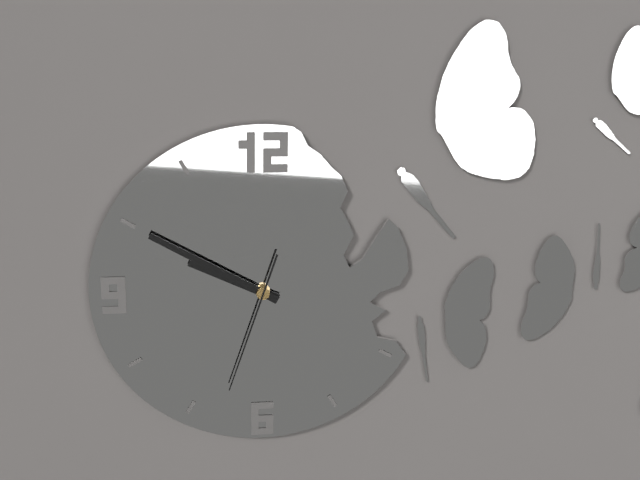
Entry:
9h50m33s
